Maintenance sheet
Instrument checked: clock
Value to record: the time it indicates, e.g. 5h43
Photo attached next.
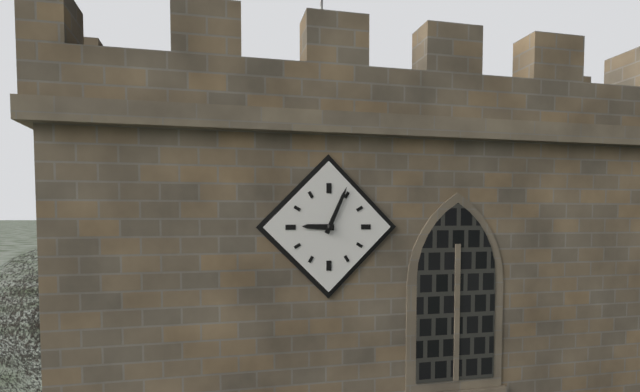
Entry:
9h04
